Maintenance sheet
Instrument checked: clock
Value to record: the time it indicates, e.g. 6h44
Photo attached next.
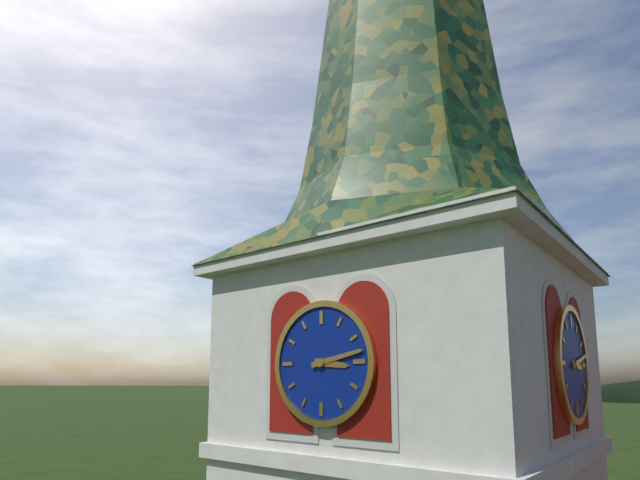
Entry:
3h13
